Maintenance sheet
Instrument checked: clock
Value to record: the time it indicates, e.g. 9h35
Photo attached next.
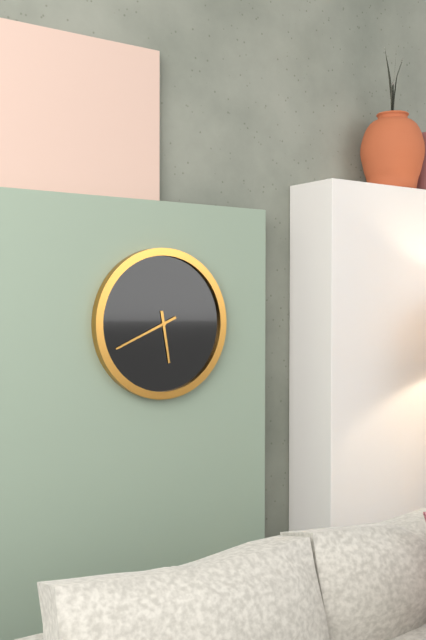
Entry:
5h41
